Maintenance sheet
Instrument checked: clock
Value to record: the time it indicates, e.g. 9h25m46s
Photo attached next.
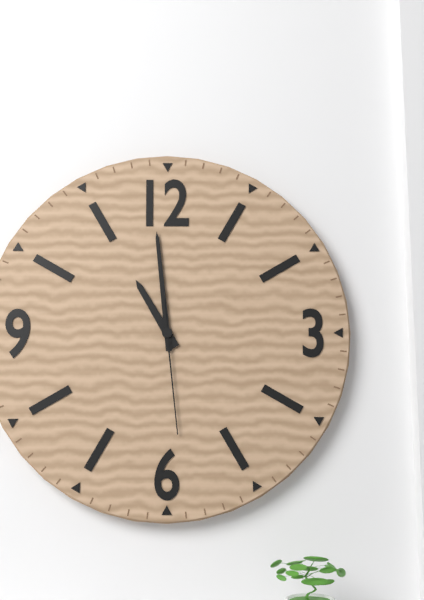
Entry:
10h59m29s
